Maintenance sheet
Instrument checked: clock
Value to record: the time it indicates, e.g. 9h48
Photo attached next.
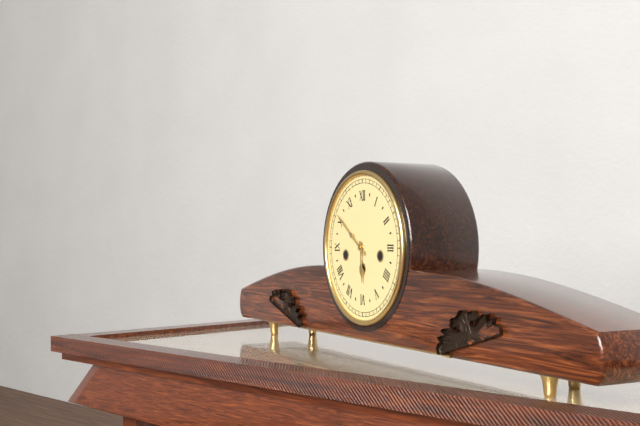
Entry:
5h51
